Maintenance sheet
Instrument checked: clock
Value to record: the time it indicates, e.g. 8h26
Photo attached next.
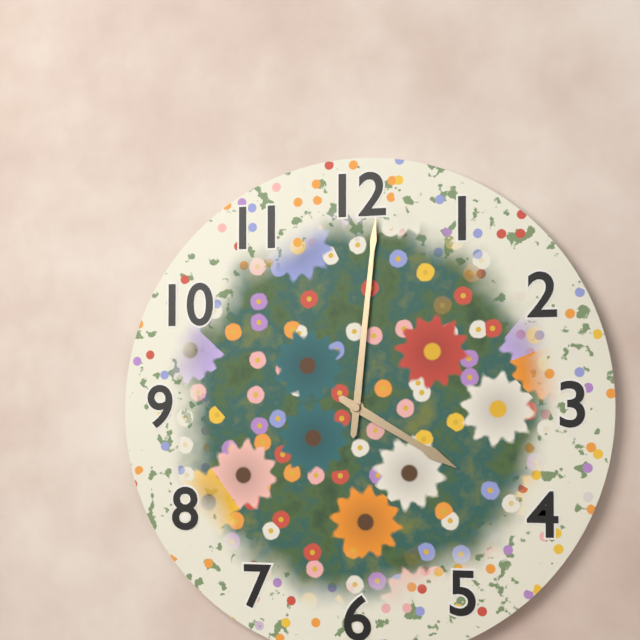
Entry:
4h01
